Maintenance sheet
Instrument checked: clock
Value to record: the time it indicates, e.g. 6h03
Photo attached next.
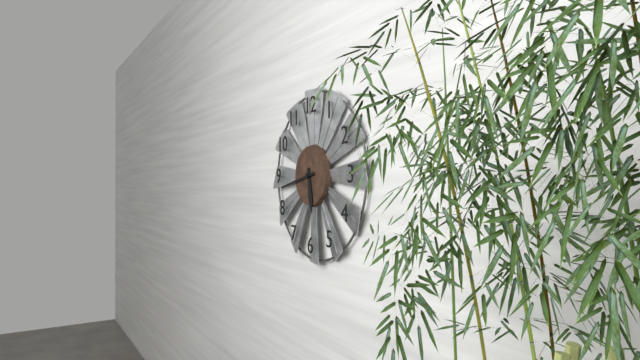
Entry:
5h43
